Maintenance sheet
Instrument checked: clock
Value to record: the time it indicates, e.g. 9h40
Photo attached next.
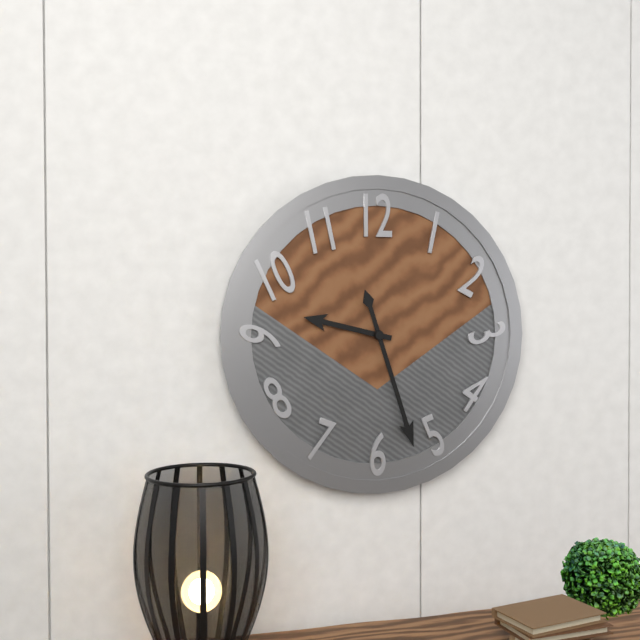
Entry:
9h27
